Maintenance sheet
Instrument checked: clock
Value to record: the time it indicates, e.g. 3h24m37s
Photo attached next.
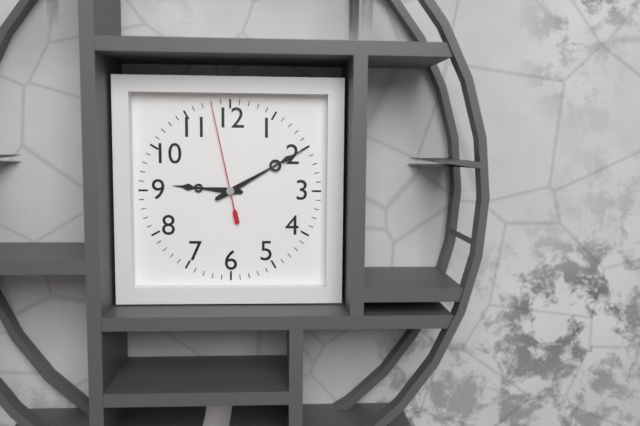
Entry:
9h10m58s
